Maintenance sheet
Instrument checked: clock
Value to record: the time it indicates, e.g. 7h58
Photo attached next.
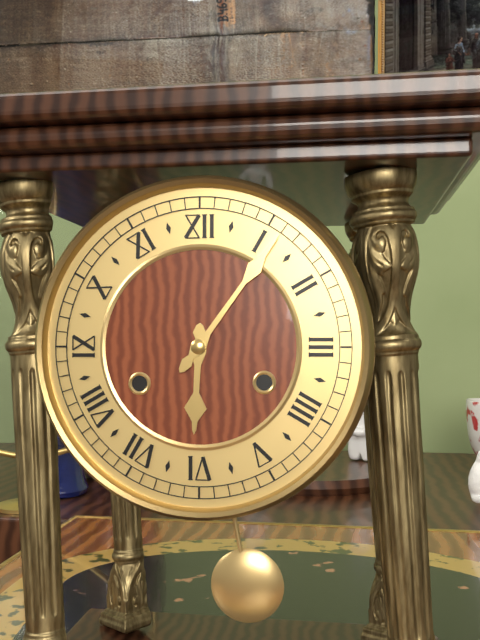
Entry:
6h06
